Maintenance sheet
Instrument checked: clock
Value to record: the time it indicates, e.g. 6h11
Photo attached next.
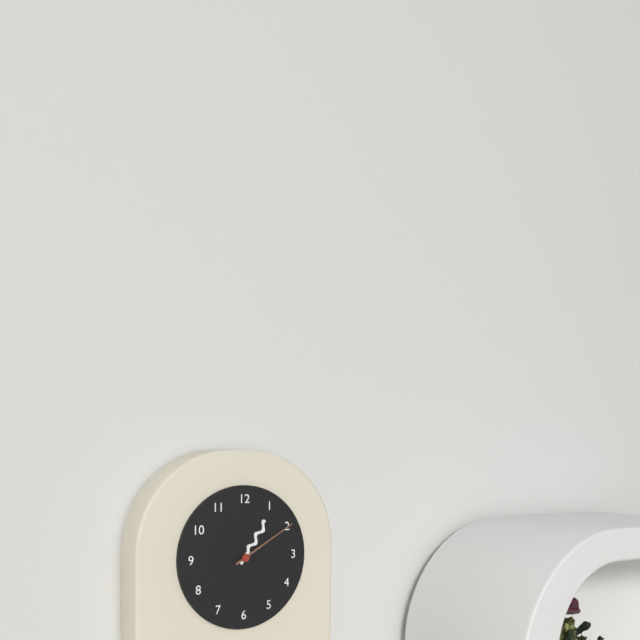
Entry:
1h10
